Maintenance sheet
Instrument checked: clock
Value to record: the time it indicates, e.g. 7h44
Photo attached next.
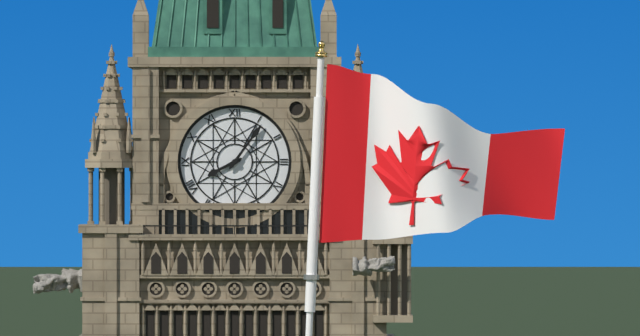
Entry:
8h06
